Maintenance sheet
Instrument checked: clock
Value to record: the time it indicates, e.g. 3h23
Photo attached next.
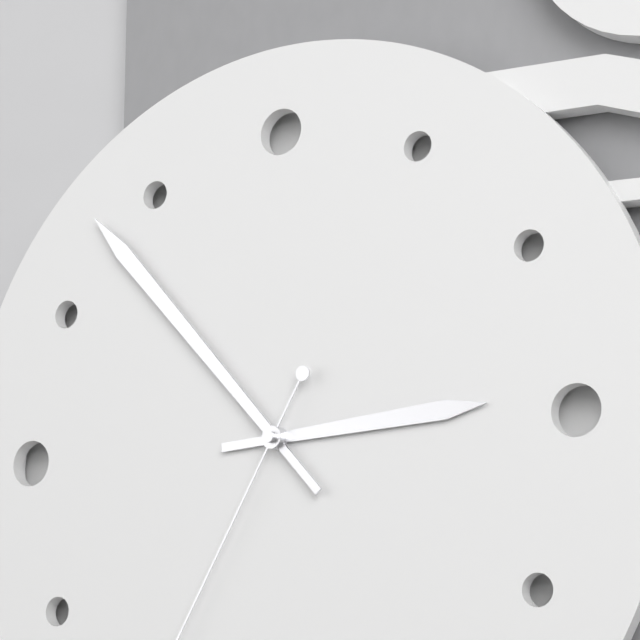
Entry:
2h53
